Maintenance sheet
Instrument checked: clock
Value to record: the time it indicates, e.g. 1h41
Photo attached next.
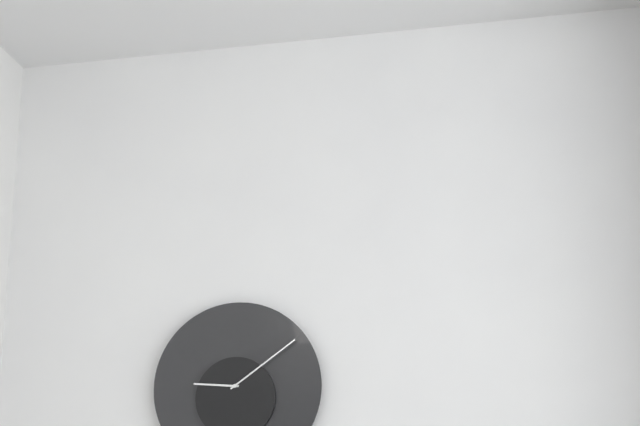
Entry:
9h09
